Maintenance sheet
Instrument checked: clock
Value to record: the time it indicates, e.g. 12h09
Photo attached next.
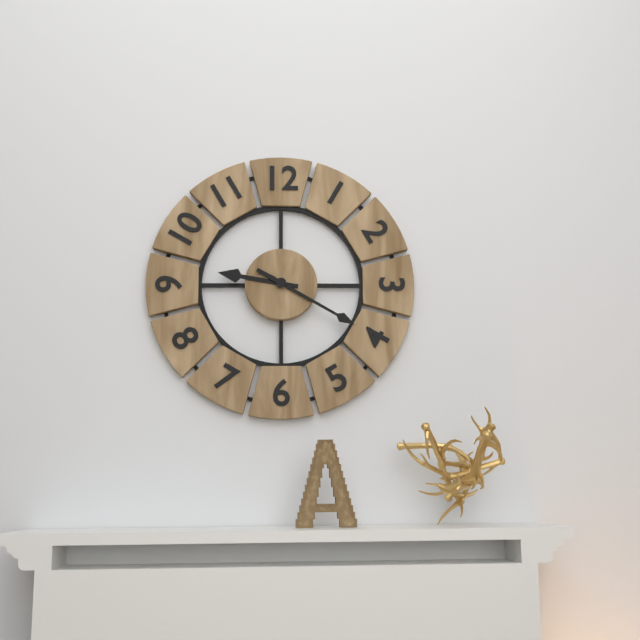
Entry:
9h20
